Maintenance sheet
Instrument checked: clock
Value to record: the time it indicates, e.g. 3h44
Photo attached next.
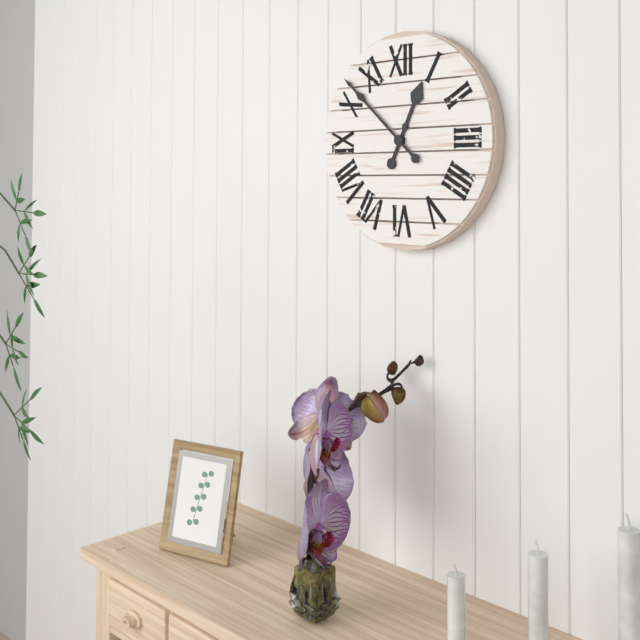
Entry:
12h52
